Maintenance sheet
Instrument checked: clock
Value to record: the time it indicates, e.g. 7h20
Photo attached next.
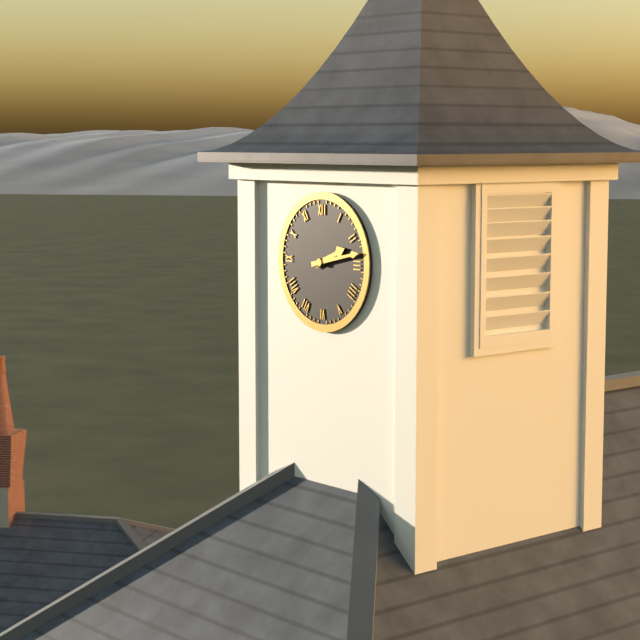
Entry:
2h13
